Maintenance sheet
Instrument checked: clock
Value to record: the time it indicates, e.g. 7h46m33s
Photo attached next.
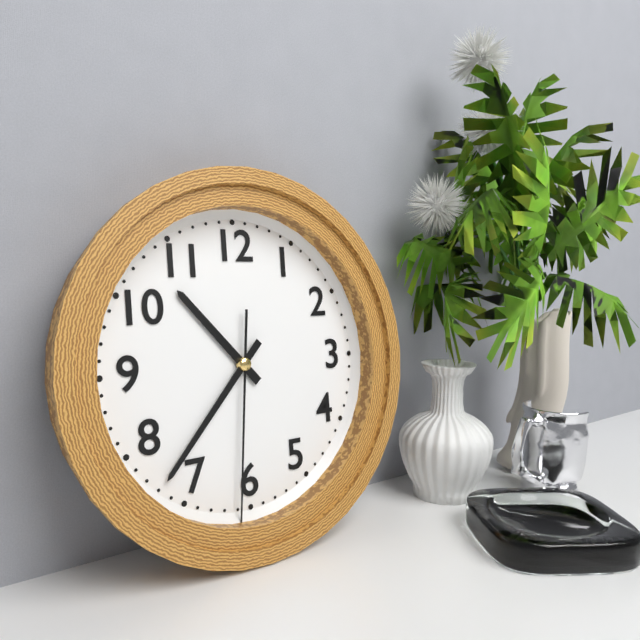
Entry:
10h37m31s
